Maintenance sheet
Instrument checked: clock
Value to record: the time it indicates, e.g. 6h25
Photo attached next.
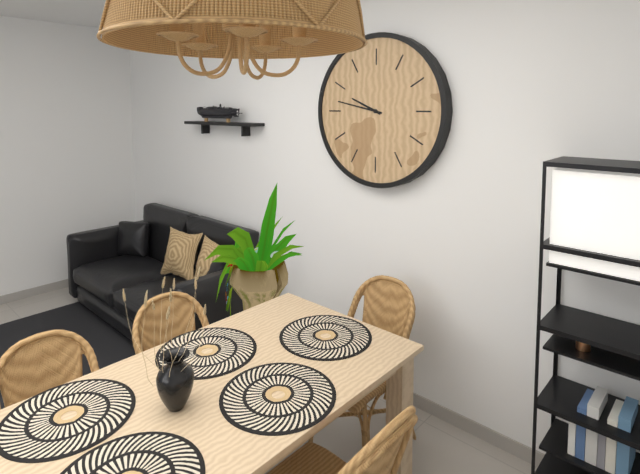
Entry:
9h47
